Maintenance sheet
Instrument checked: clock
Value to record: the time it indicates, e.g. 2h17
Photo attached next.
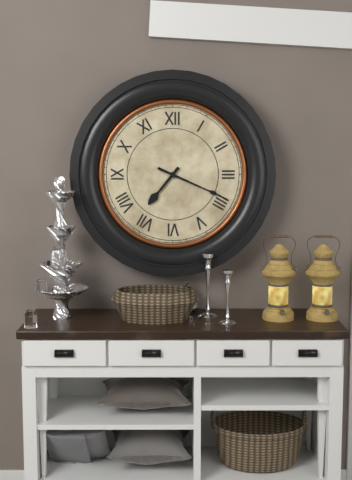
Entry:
7h19
